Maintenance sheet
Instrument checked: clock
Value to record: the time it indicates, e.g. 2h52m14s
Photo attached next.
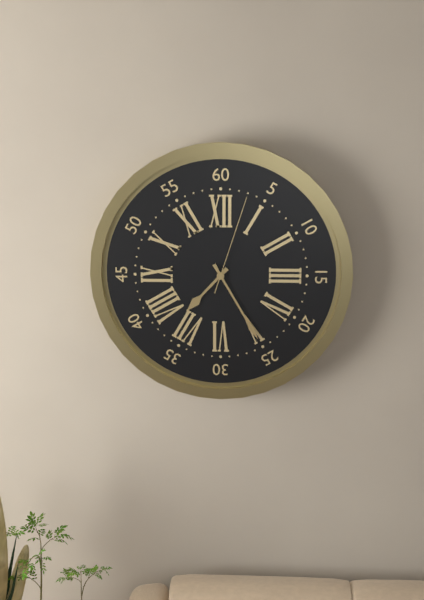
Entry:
7h25m03s
